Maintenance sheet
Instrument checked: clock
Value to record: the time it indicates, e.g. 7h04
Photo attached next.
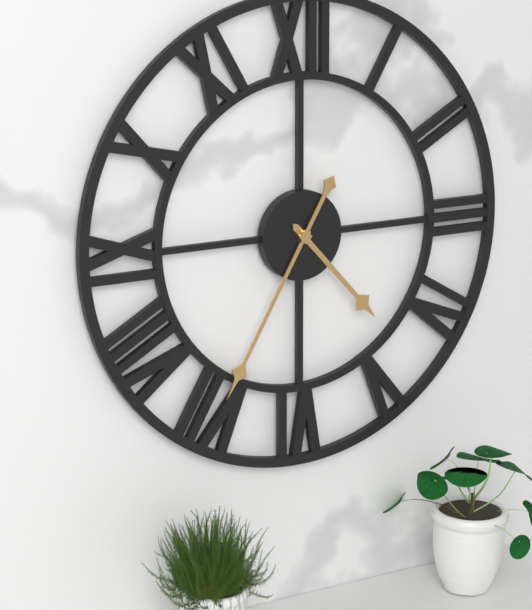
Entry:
4h35
